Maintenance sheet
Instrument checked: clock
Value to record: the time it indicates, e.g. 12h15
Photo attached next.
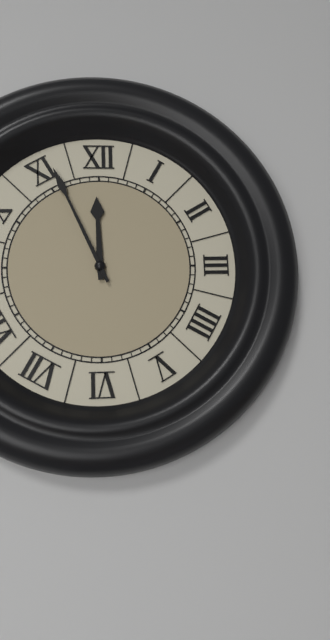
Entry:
11h56
